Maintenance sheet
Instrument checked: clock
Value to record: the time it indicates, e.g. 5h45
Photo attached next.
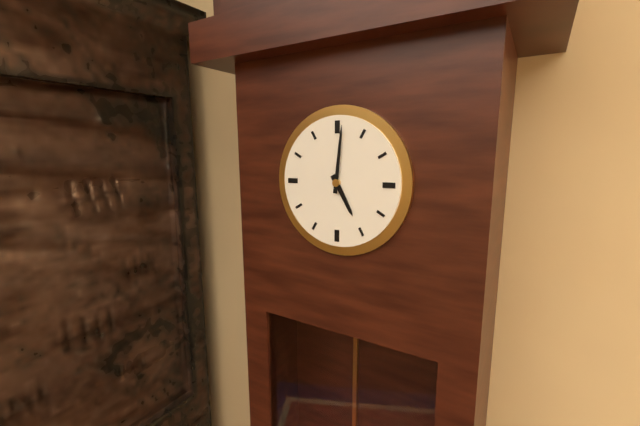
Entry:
5h01
